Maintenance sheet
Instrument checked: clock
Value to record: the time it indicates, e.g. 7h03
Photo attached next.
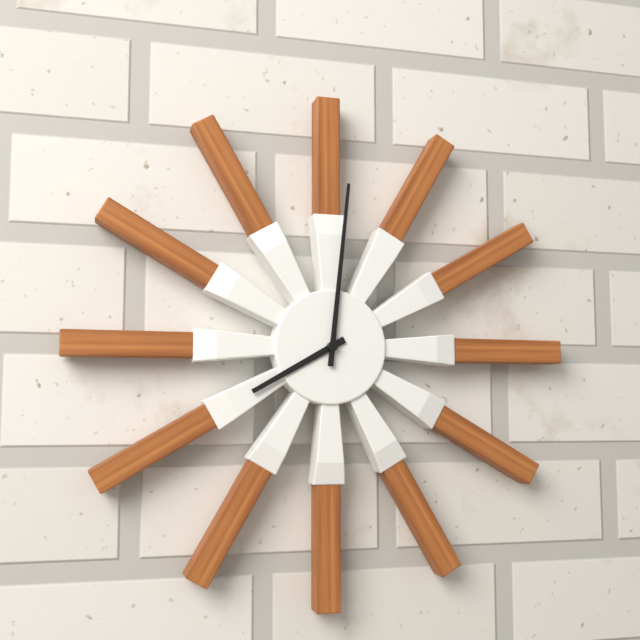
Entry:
8h01
